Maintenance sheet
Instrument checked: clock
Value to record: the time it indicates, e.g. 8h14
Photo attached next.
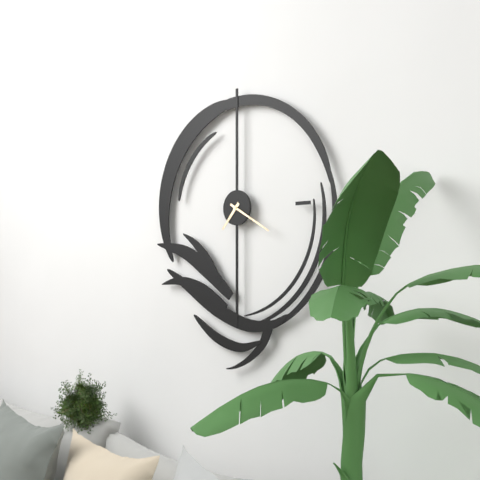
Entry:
7h20
